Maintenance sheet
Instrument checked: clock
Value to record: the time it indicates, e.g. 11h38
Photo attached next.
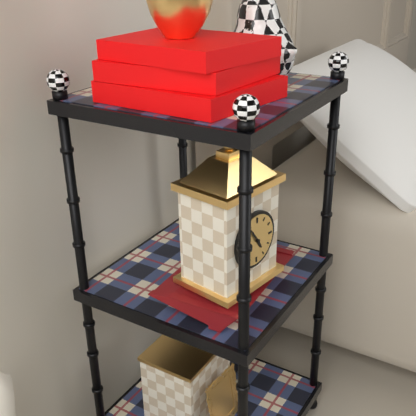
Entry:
4h54
